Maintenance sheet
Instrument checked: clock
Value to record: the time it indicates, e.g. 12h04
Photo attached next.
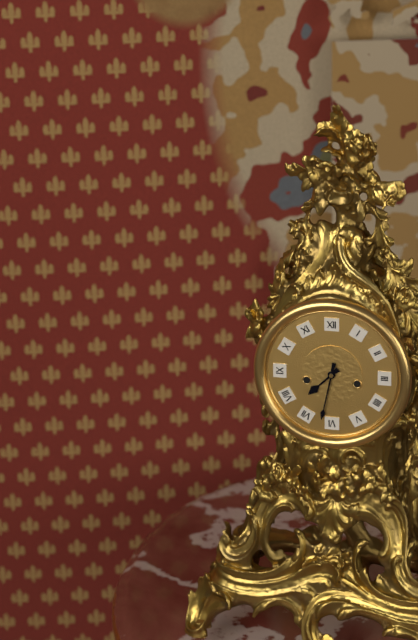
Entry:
7h32
